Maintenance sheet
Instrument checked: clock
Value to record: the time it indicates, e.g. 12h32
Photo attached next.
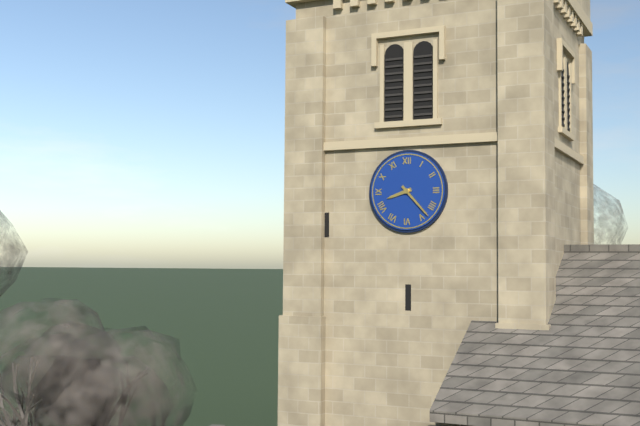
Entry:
8h23
